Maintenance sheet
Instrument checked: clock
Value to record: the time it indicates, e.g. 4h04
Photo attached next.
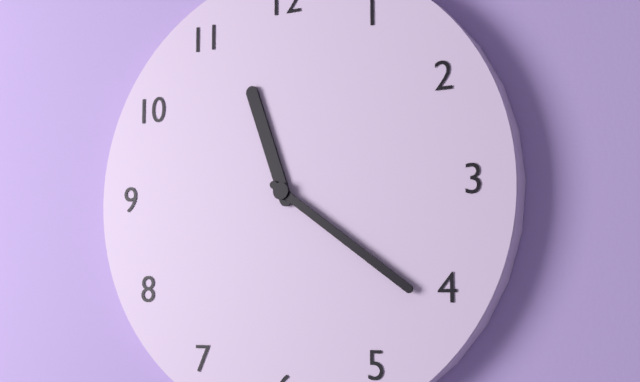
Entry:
11h21
